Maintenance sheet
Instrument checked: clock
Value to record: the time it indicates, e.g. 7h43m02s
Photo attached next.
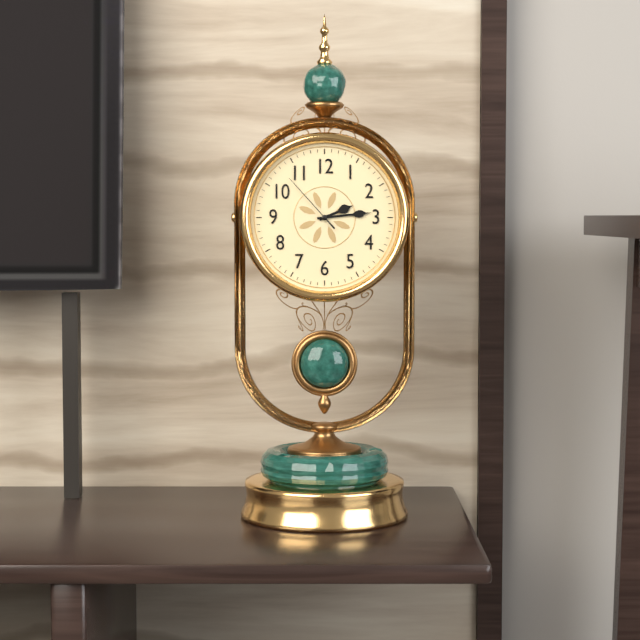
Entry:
2h14m53s
